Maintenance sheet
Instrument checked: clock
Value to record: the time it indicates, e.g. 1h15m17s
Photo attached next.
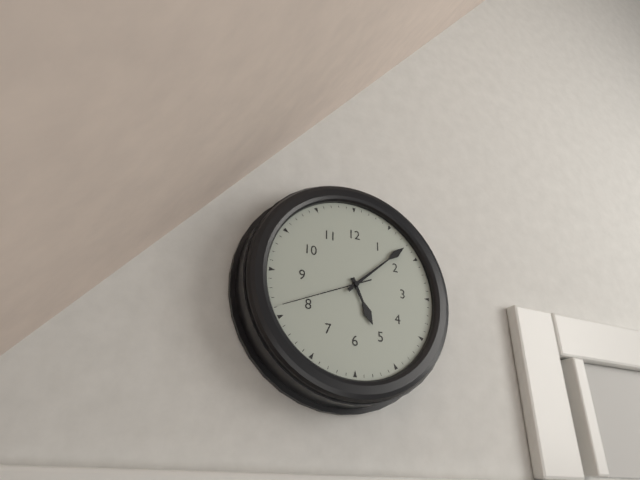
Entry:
5h08m41s
